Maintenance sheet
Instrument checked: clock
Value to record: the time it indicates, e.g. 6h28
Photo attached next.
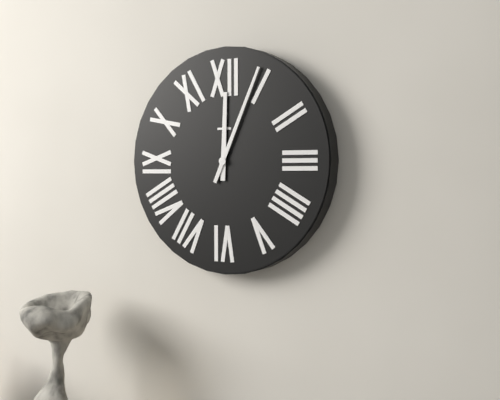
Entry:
12h04
